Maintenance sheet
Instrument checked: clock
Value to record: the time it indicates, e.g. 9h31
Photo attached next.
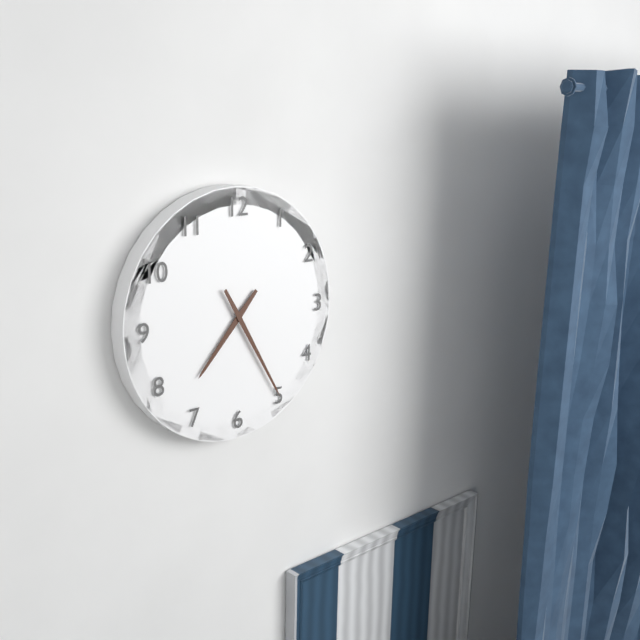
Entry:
7h25
